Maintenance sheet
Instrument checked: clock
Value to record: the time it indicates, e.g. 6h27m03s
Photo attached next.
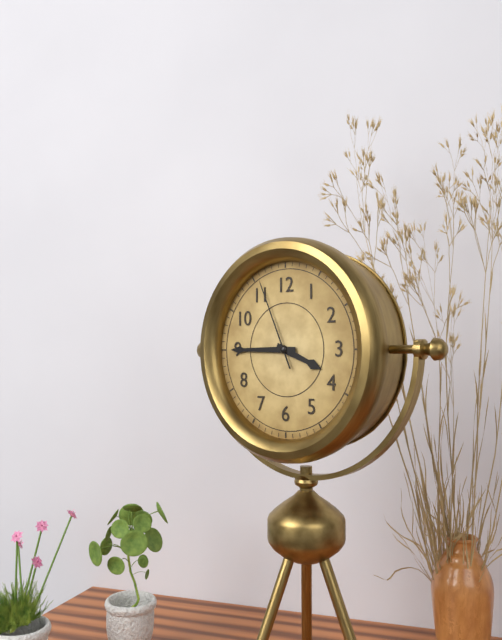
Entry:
3h45m56s
